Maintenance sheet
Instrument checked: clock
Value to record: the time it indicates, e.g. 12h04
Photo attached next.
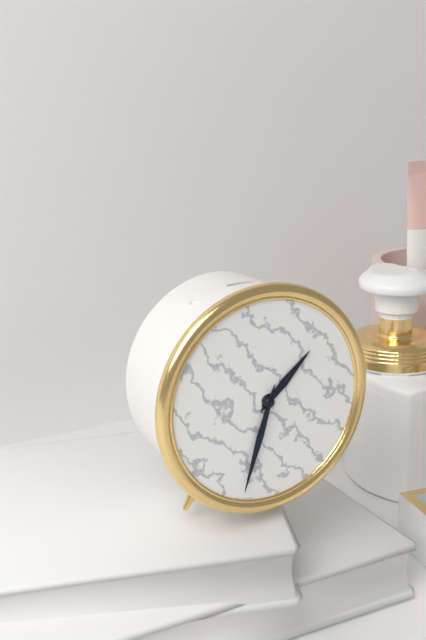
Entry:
1h33
